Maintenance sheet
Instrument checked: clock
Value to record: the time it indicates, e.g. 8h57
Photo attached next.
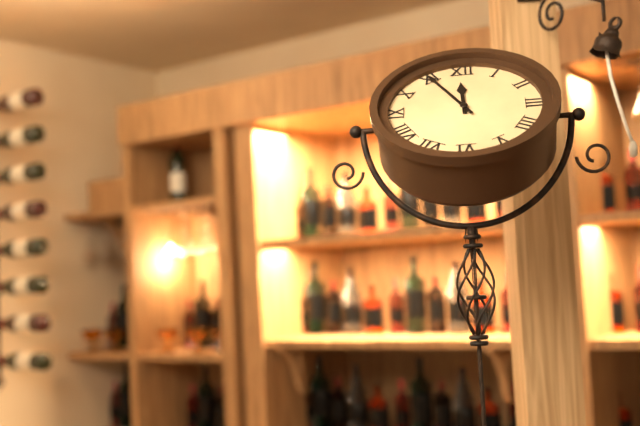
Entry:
11h55
